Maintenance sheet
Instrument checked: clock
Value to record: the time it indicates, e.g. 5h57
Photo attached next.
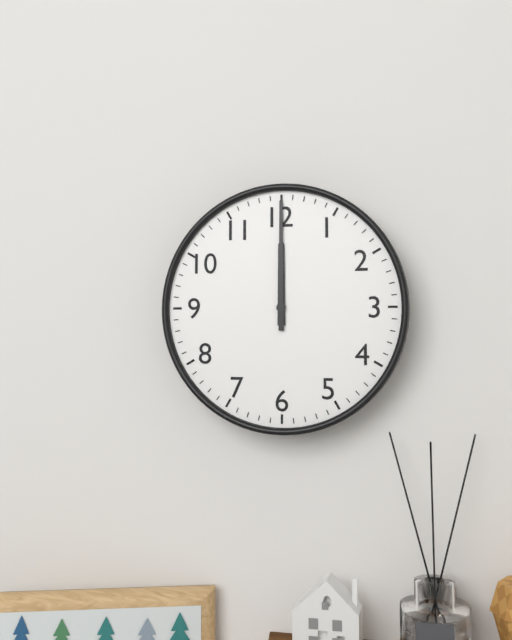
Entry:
12h00
